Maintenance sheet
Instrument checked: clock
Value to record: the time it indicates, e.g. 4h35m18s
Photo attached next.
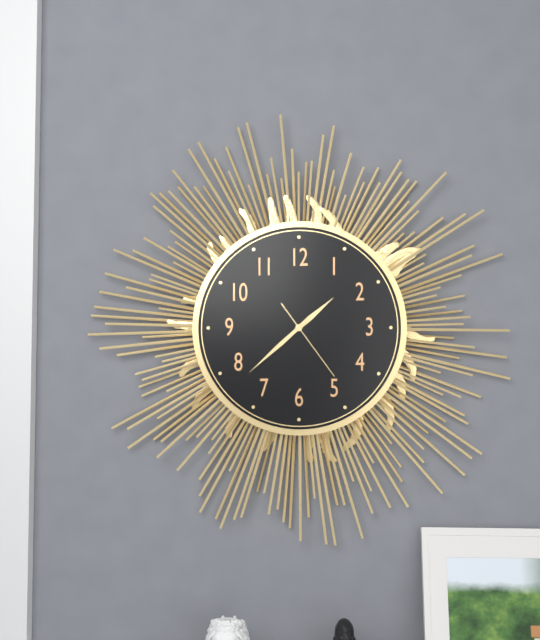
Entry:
1h38m24s
